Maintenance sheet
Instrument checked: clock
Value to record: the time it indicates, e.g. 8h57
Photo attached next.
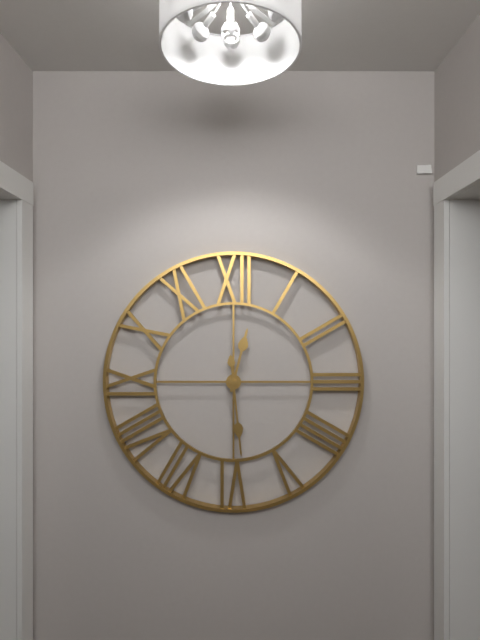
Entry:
12h29
